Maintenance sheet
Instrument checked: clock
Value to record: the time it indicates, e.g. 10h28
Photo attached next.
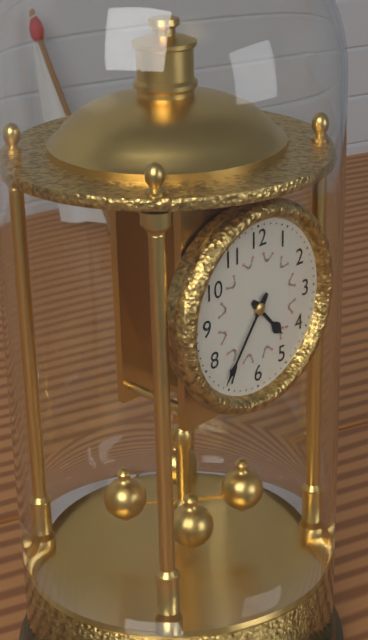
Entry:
4h36
